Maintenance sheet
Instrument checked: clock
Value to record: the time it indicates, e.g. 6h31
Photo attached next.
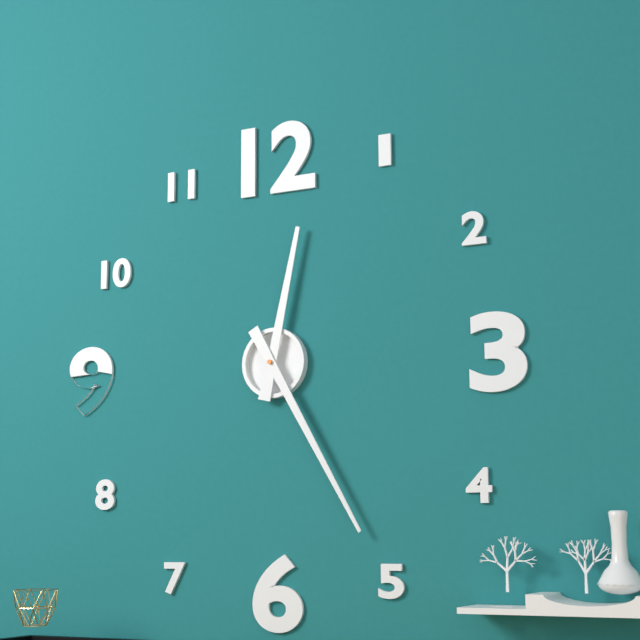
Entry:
12h25
